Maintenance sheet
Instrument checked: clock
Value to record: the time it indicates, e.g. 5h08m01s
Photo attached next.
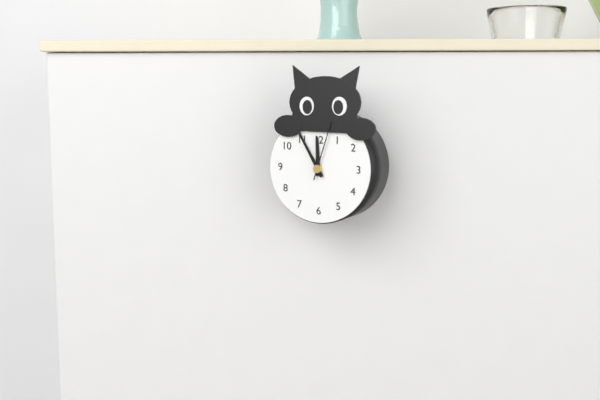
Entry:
11h55m03s
